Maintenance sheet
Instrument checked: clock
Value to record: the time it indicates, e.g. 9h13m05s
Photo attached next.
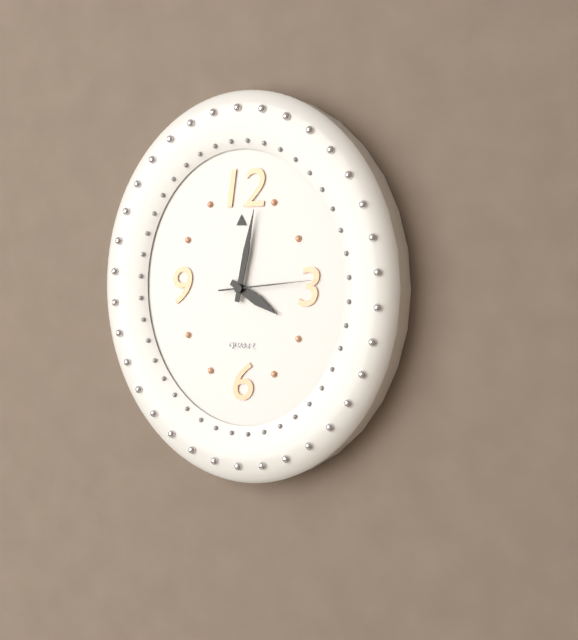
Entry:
4h02m14s
